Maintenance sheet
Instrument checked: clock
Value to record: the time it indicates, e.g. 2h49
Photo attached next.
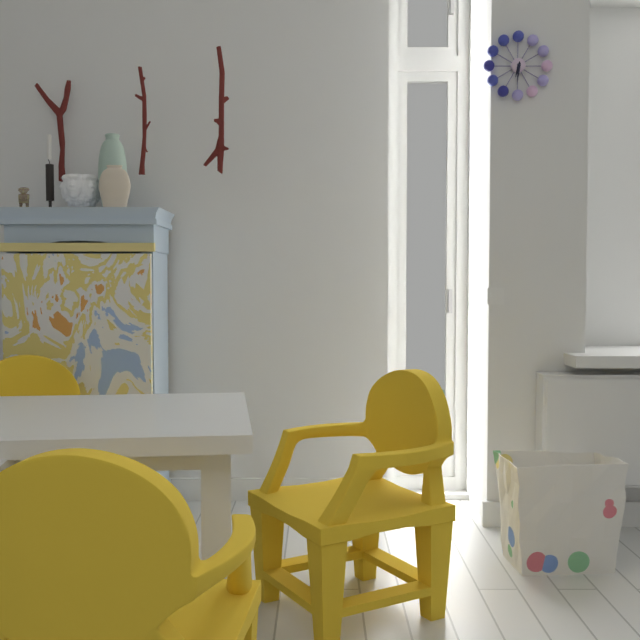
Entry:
6h31
